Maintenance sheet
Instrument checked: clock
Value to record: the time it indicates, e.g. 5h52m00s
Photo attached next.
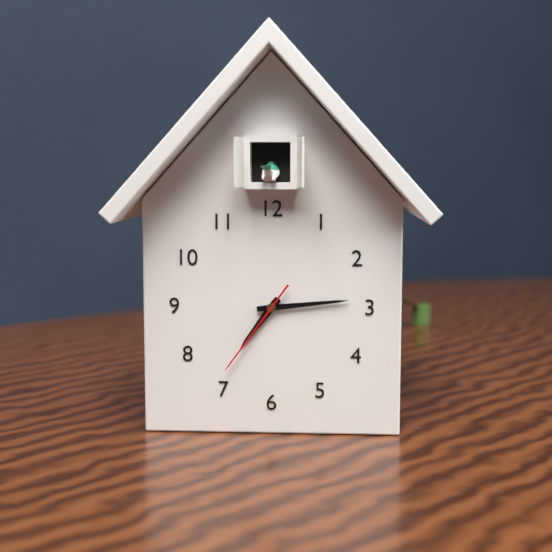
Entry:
7h14m36s
